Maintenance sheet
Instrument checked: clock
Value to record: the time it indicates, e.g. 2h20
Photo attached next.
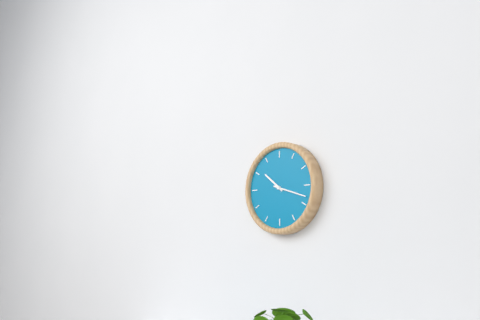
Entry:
10h18
